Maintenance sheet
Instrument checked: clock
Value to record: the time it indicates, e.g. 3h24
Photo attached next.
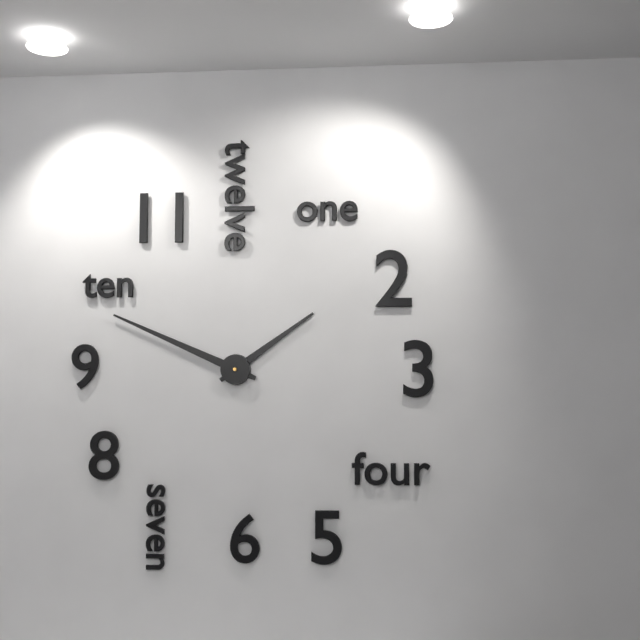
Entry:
1h49
